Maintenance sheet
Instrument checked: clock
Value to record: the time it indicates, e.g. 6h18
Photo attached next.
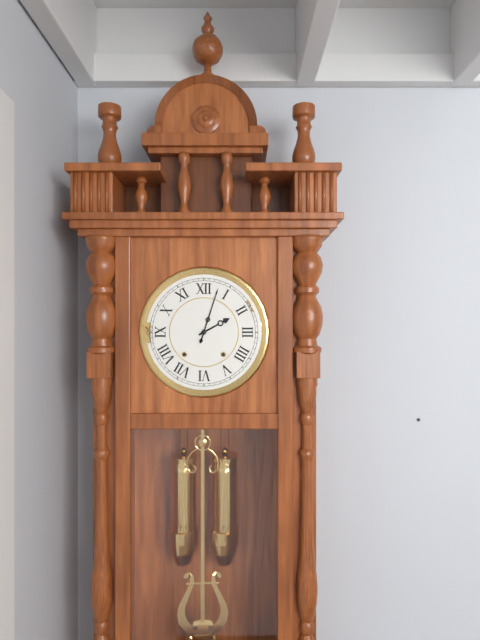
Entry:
2h03
